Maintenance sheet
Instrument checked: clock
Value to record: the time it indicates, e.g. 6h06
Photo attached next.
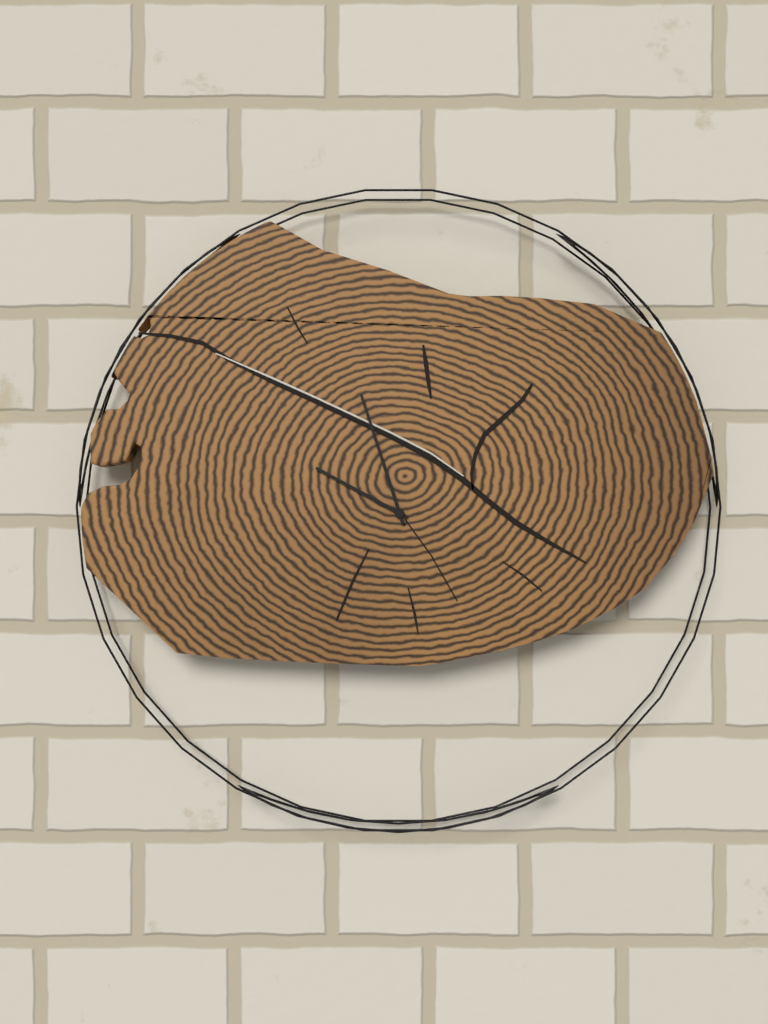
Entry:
9h57
